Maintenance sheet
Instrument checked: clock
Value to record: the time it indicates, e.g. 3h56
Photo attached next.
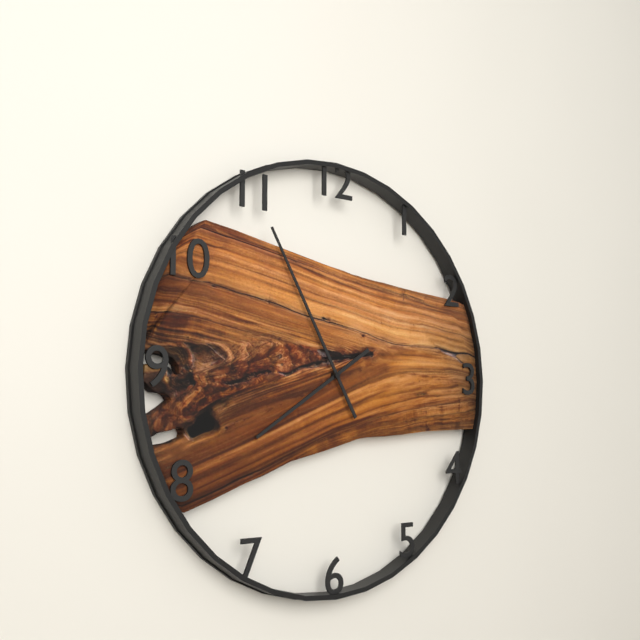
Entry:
7h55
